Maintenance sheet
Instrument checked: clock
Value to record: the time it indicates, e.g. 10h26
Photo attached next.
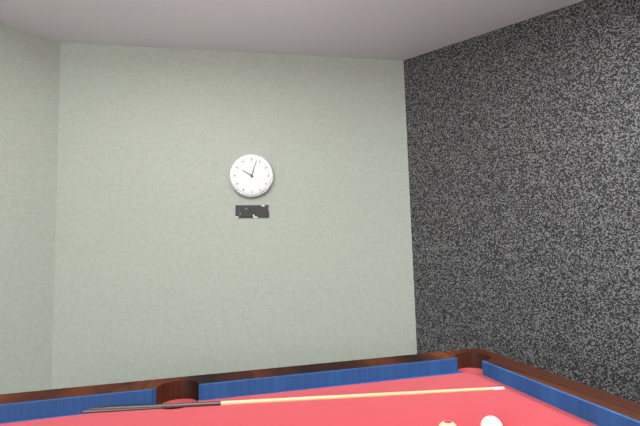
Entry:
10h03
